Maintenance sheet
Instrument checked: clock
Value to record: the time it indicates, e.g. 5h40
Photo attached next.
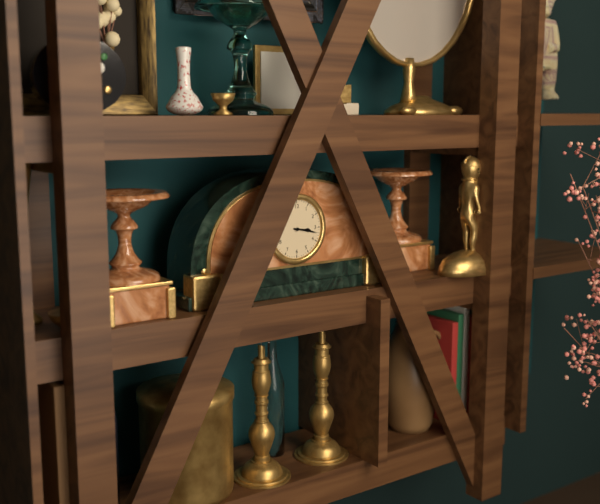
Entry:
3h17
